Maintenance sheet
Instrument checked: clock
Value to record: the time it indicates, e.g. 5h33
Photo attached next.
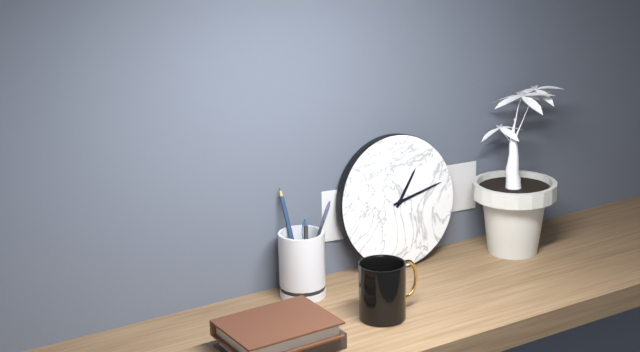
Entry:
1h13
